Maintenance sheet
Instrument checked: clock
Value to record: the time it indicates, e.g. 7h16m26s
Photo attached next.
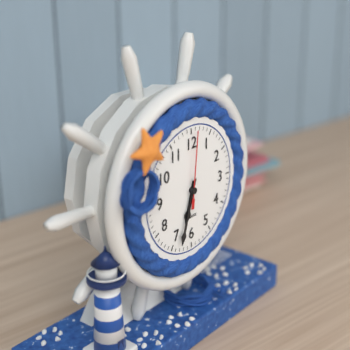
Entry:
6h33m01s
